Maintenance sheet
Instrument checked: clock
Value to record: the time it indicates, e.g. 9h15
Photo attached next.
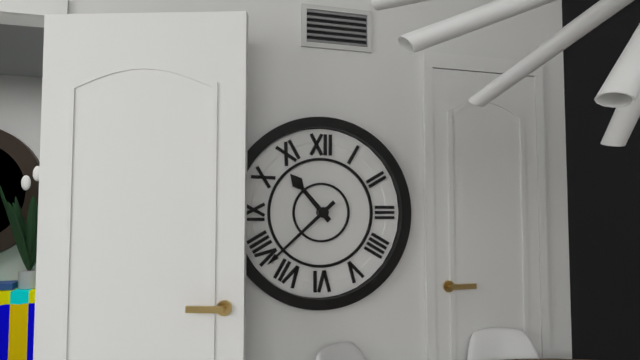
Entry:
10h38
